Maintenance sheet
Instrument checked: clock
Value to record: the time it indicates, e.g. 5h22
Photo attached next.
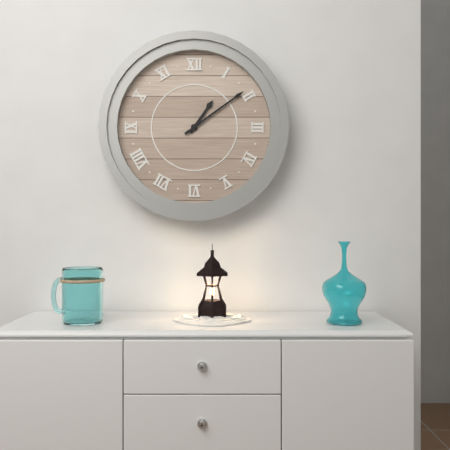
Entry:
1h09
